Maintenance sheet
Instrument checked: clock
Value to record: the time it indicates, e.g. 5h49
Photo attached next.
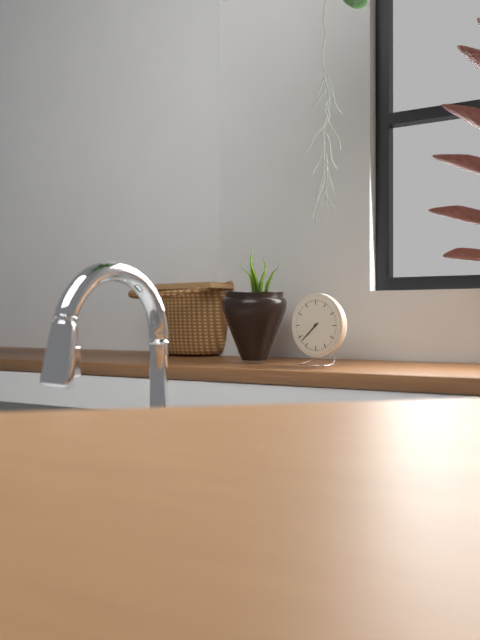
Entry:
7h38
